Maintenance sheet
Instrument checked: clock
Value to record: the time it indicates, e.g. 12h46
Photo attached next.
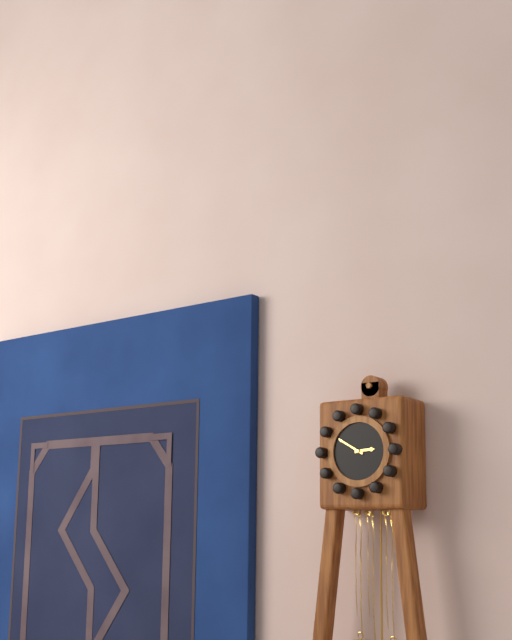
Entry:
2h50
